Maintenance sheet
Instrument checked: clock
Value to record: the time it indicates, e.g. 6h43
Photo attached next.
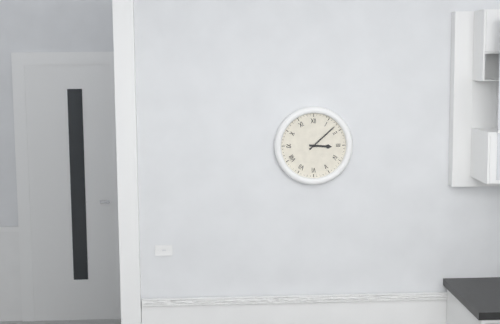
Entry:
3h08
